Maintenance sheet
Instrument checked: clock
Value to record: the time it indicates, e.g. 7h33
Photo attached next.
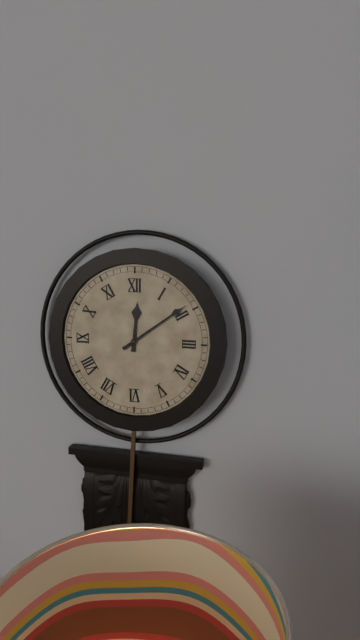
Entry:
12h09
